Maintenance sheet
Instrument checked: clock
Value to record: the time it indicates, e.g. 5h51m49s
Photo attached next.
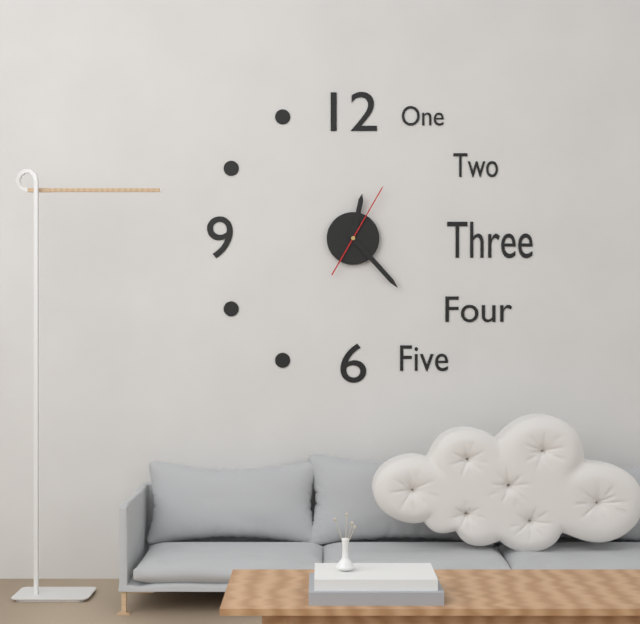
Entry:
12h23m05s
